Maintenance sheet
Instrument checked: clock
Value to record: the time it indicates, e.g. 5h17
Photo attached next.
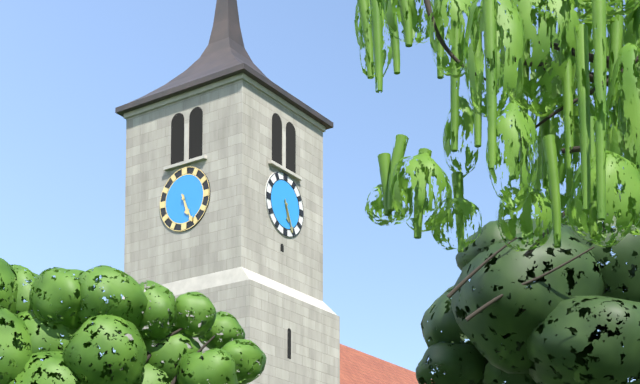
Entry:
5h26
